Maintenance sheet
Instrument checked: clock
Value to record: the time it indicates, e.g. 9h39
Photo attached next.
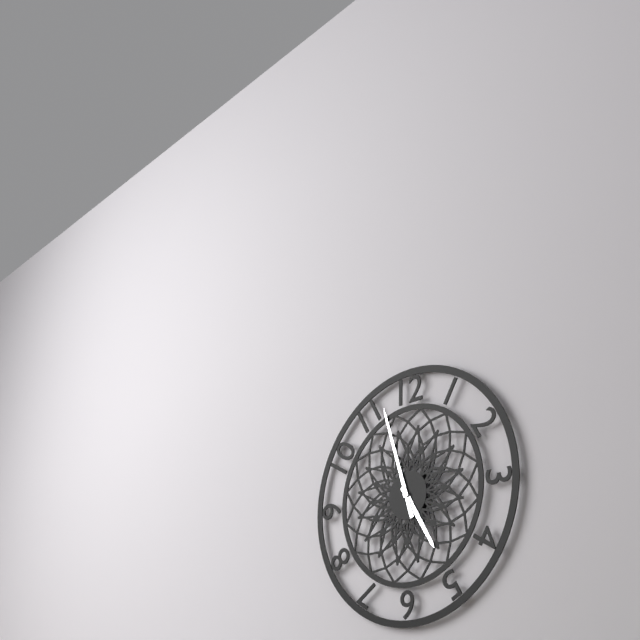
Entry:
4h57
